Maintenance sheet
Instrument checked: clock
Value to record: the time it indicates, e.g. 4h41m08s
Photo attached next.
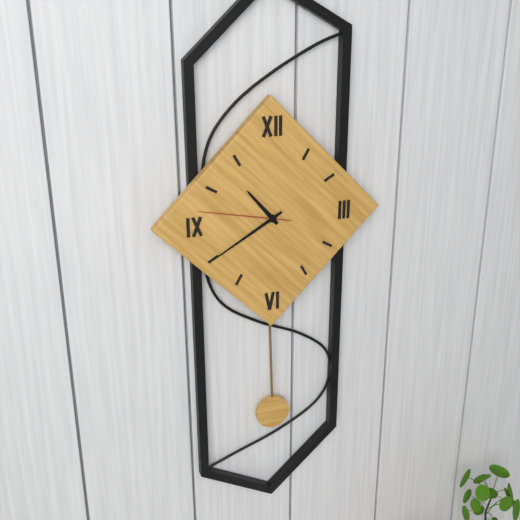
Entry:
10h40m47s
